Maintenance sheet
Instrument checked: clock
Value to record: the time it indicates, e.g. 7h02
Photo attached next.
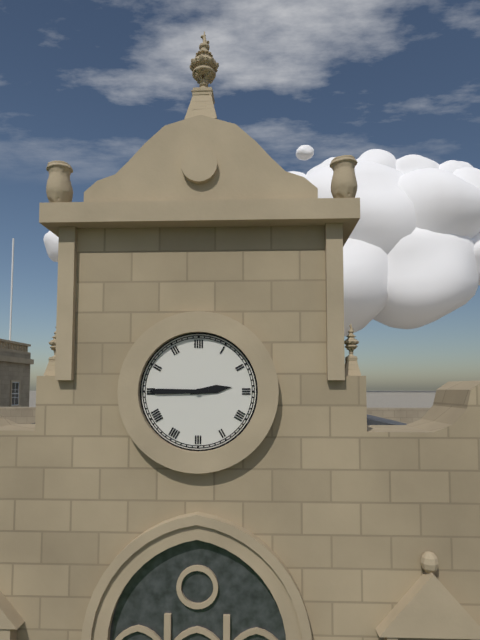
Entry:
2h45
